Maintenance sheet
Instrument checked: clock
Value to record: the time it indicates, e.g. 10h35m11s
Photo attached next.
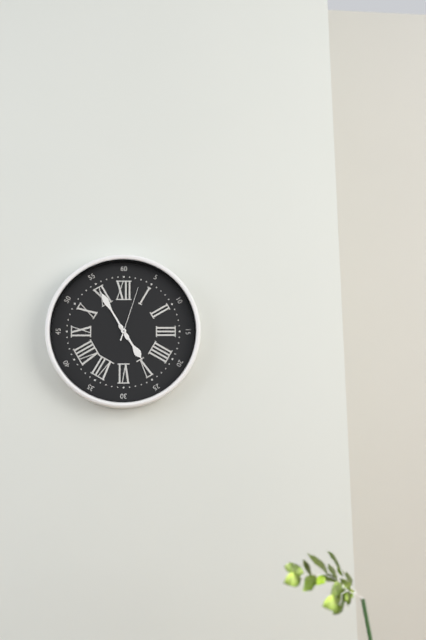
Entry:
4h55m03s
